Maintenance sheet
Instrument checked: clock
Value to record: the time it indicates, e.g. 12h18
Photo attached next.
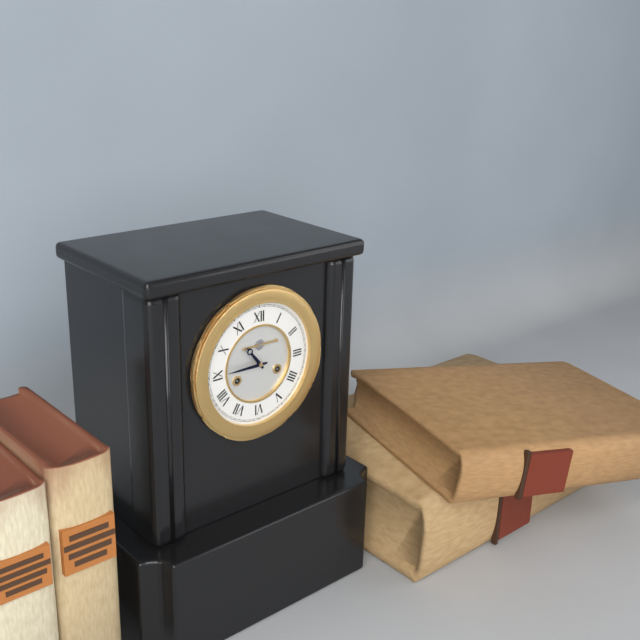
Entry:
10h45
